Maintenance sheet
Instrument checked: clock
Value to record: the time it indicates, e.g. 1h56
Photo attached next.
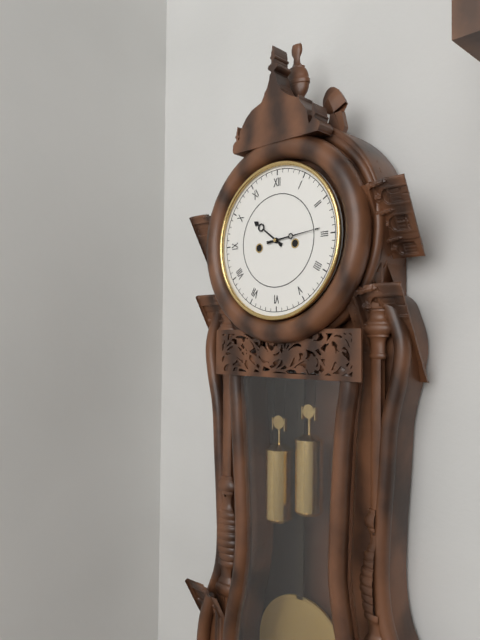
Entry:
10h14
